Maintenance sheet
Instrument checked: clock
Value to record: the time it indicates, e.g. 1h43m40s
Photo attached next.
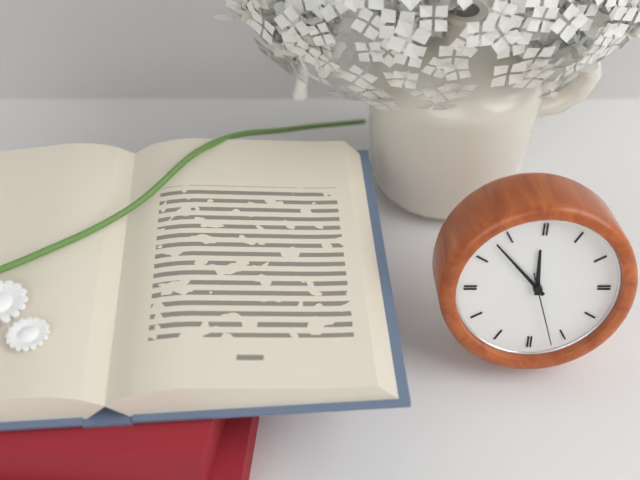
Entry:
11h53m27s
